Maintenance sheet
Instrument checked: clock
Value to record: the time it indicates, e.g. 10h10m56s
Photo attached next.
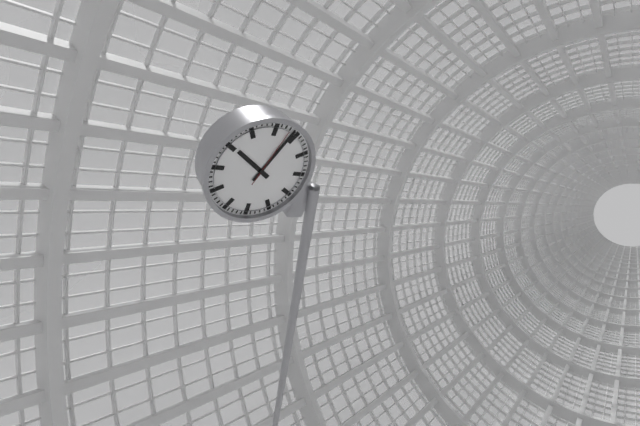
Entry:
10h04m03s
